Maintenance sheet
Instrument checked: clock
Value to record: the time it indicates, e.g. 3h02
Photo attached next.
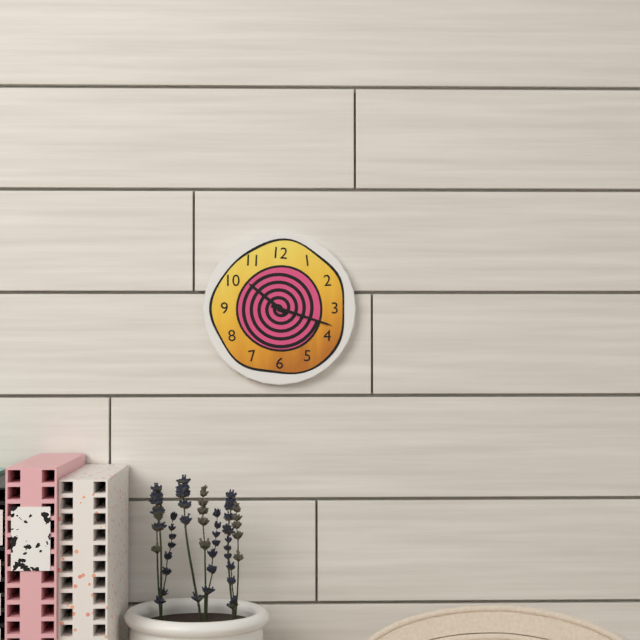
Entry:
10h18
